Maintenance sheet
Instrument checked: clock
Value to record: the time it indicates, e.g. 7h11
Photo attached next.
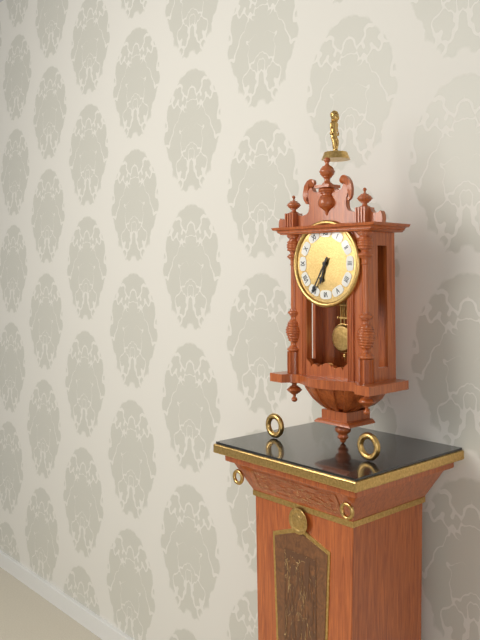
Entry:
6h35
